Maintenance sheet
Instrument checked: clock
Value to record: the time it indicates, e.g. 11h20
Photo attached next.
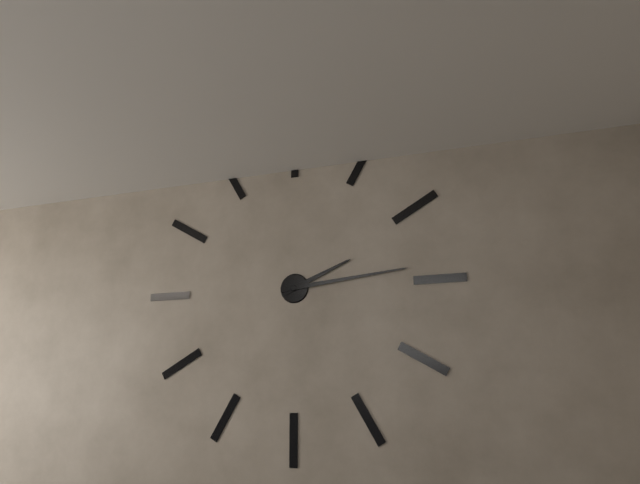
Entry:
2h14
